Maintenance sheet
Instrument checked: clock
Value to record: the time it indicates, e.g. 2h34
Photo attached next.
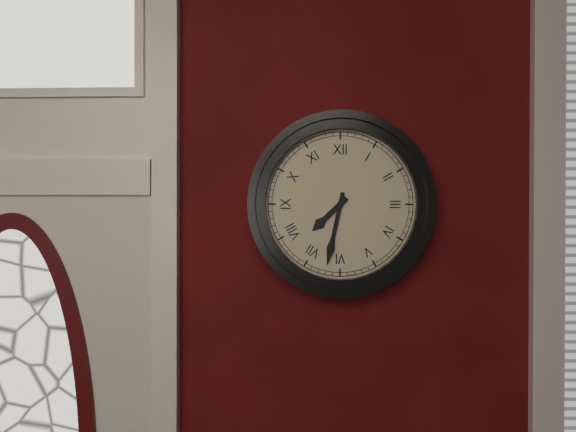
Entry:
7h32
